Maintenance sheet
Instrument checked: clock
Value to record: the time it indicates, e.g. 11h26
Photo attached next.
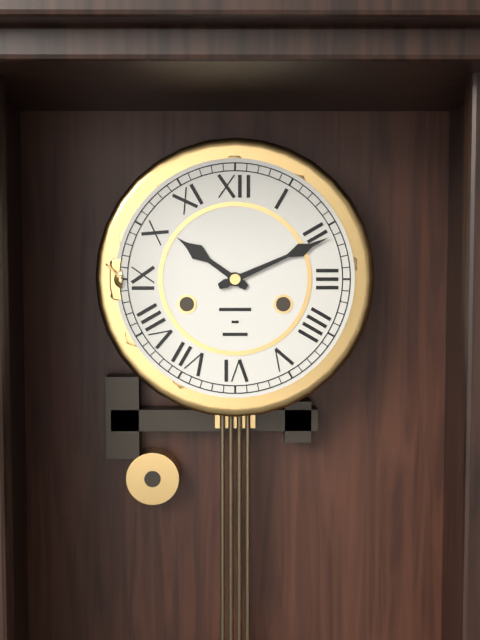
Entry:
10h11
